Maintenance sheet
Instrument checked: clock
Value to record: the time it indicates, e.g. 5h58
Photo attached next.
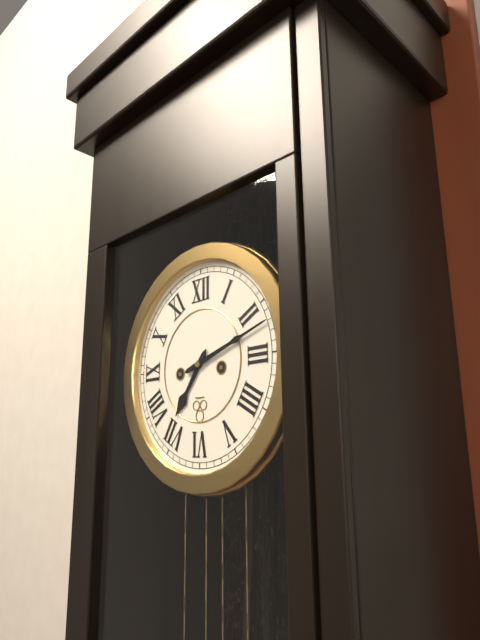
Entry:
7h12
